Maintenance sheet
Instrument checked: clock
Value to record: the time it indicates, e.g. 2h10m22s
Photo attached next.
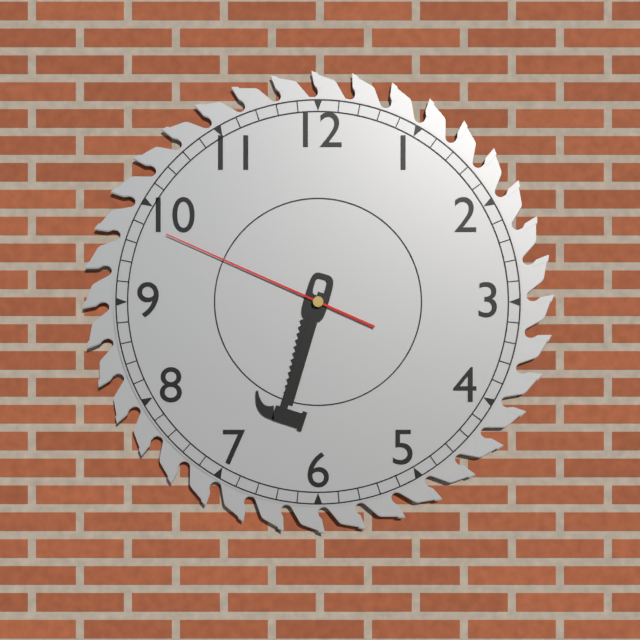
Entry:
6h33m49s
